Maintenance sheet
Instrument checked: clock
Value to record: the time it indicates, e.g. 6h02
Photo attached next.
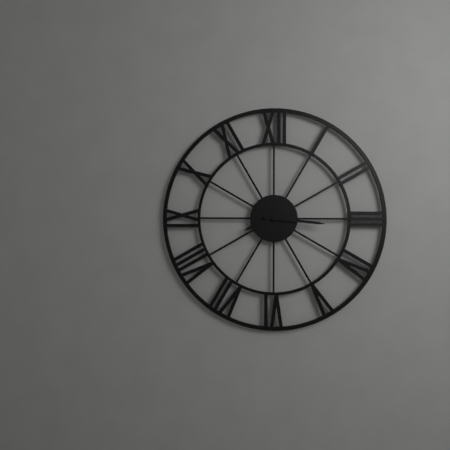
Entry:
8h16
